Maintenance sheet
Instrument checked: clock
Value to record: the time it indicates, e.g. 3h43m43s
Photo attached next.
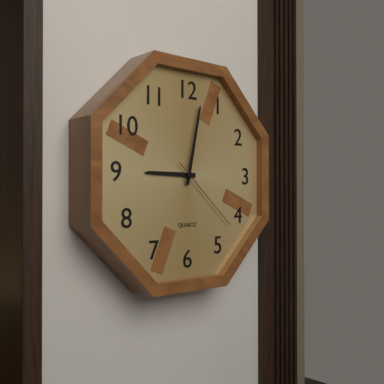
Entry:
9h02m22s
